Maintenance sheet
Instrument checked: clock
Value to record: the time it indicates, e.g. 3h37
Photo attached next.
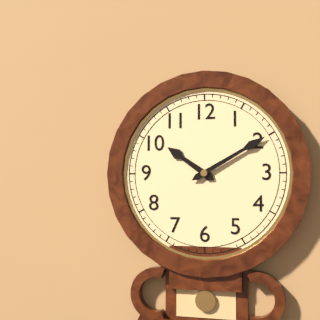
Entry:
10h10
